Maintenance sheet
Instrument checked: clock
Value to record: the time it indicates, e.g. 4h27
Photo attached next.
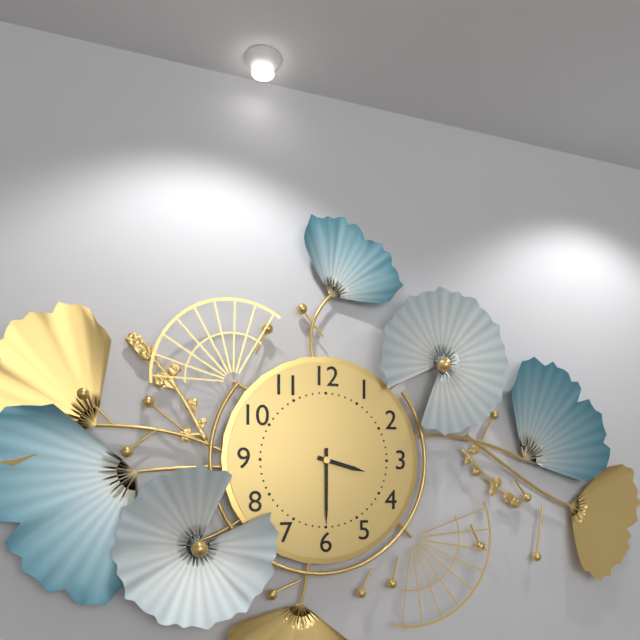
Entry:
3h30
